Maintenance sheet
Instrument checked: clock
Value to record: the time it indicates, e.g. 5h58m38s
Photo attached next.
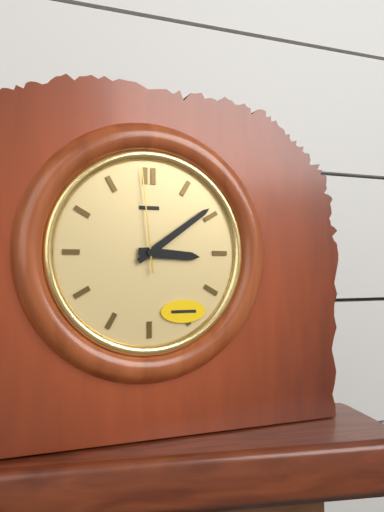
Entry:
3h09m59s
